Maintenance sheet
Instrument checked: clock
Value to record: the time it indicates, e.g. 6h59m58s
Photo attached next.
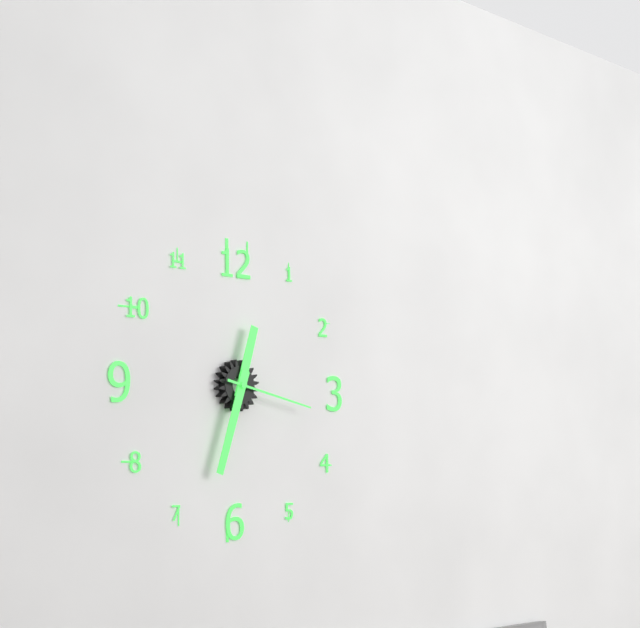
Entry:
12h33m17s
